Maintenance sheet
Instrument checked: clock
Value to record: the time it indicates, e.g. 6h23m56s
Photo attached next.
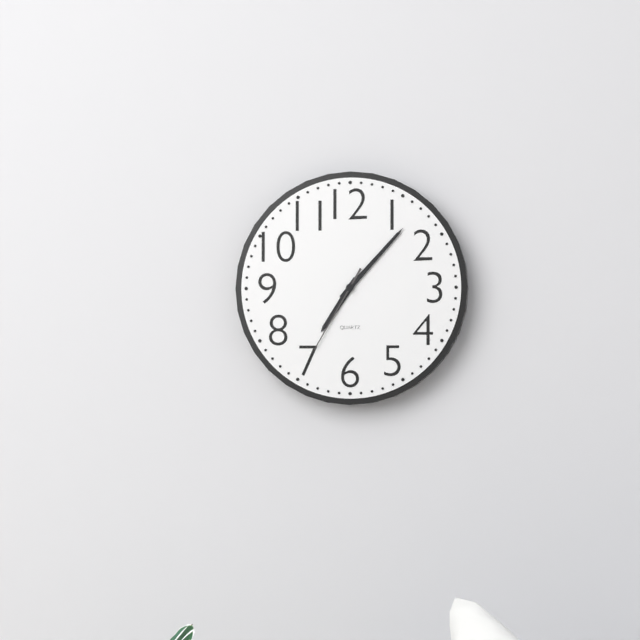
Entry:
7h07m35s
